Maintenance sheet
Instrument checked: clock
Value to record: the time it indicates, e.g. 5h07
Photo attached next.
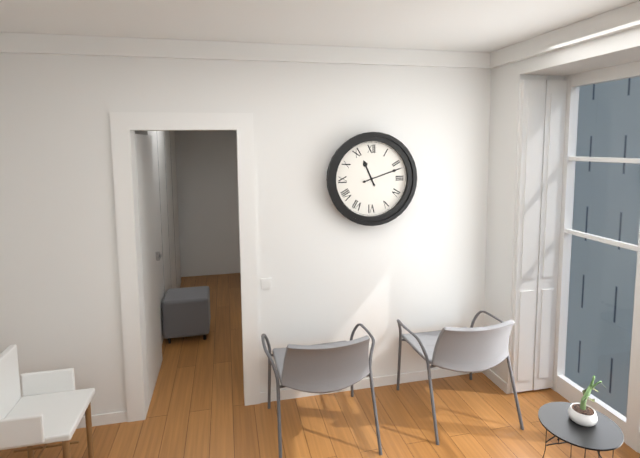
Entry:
11h12
